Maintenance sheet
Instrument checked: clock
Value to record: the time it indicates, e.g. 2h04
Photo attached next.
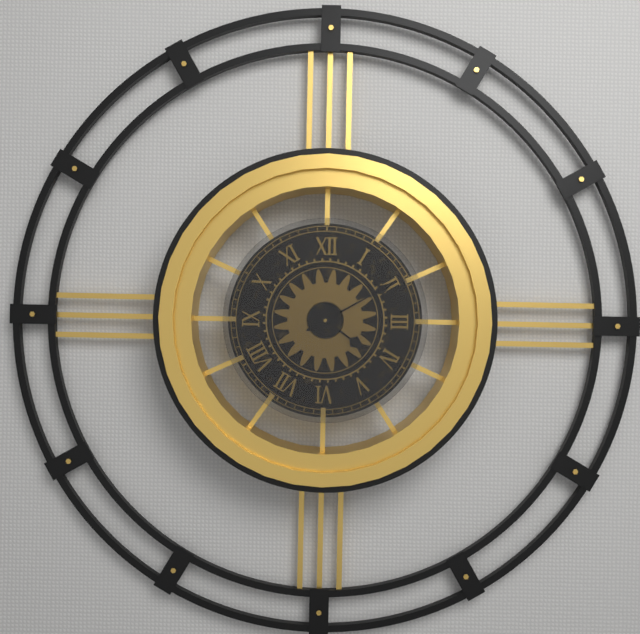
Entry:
4h10
